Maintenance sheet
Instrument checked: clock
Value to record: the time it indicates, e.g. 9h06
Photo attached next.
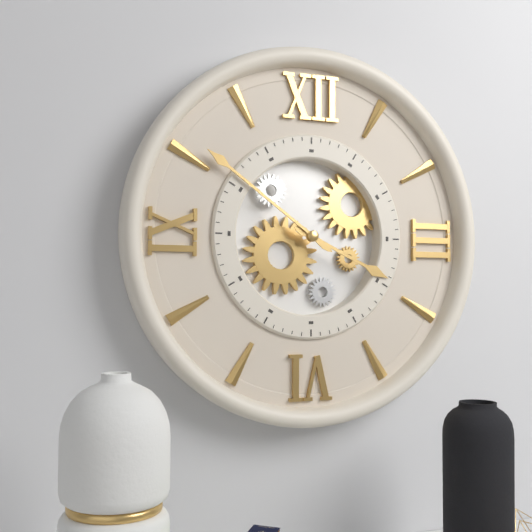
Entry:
3h51
